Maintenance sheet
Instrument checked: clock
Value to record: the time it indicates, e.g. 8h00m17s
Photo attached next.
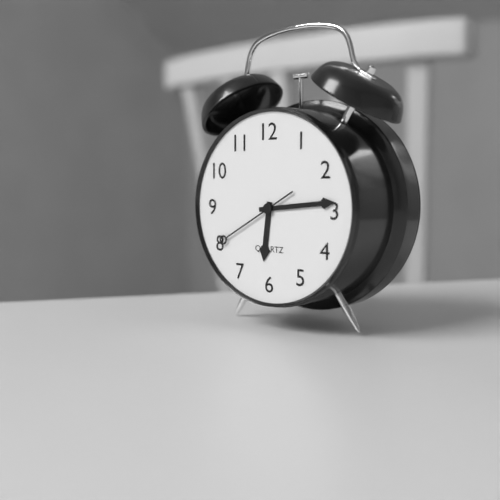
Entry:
6h14m40s
